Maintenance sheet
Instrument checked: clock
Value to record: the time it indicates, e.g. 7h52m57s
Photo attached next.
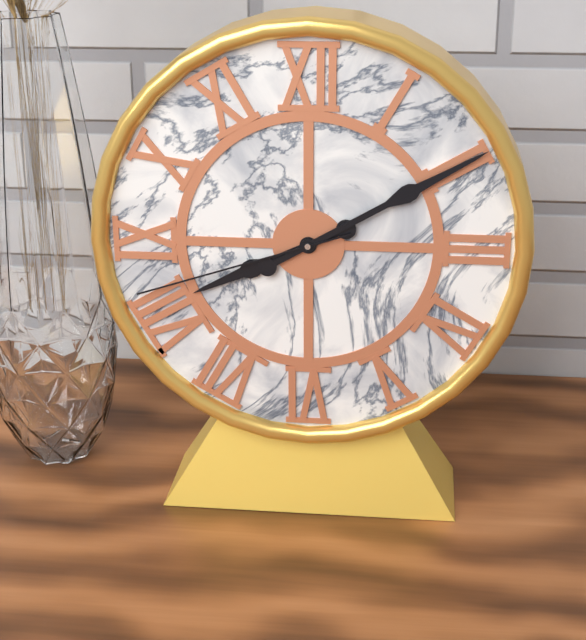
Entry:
8h10m42s
